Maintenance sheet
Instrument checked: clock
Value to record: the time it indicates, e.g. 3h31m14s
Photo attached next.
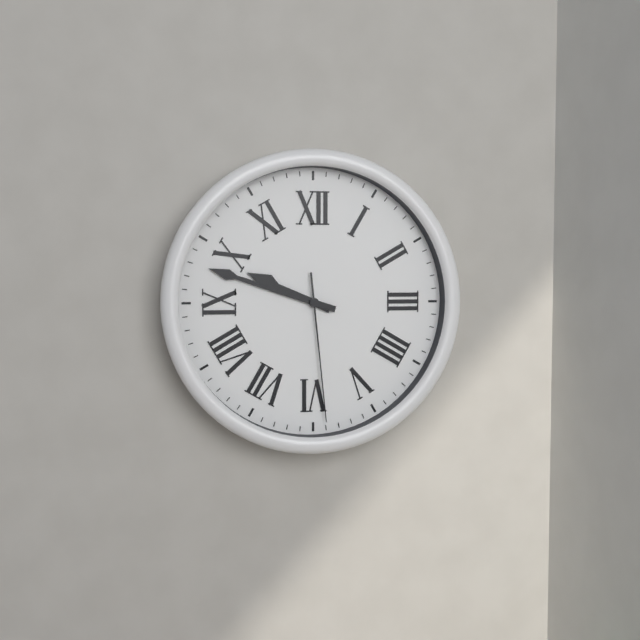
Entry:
9h48m29s
